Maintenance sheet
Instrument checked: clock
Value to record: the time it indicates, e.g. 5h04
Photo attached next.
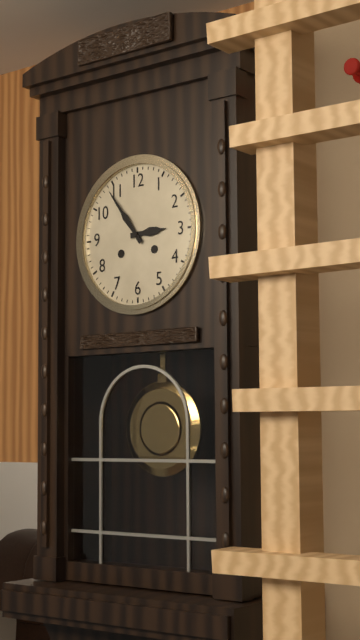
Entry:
2h54
